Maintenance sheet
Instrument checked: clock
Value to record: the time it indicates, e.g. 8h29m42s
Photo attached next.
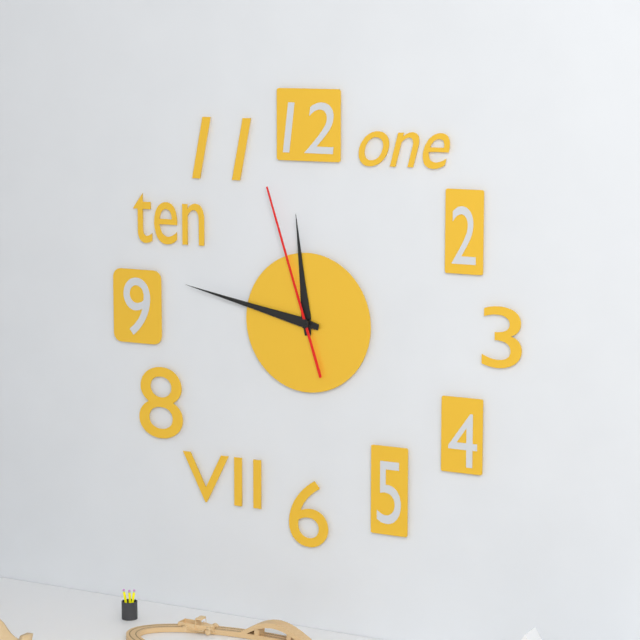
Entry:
11h47m57s
